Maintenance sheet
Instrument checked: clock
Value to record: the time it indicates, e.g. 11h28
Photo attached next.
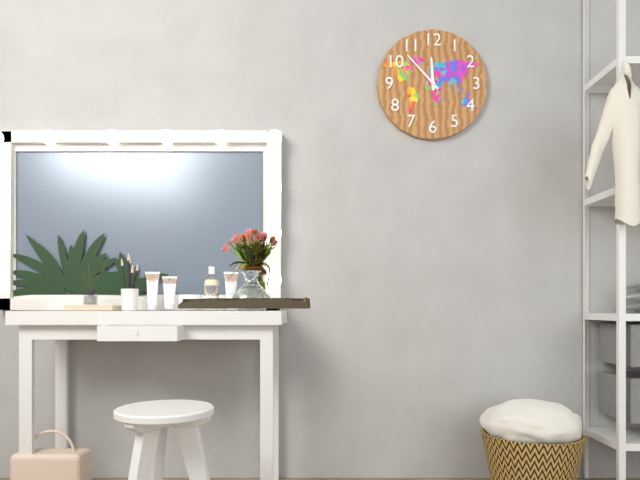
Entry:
11h53
